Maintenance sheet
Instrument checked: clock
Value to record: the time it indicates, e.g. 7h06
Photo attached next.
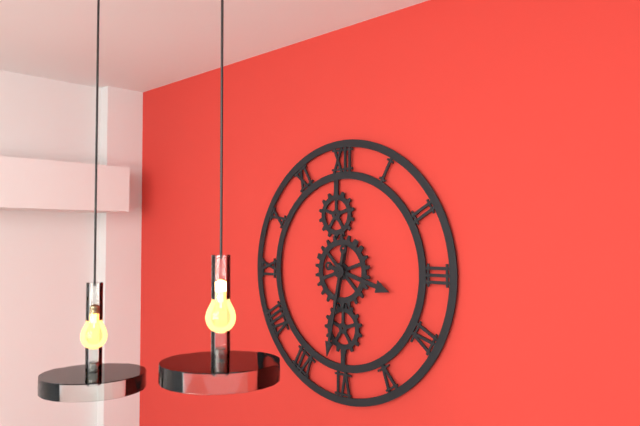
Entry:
3h32
